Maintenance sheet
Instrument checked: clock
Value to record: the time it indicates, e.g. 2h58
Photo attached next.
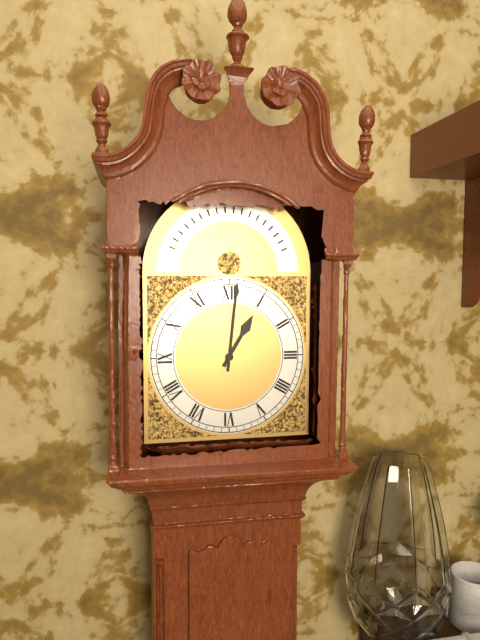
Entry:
1h01
